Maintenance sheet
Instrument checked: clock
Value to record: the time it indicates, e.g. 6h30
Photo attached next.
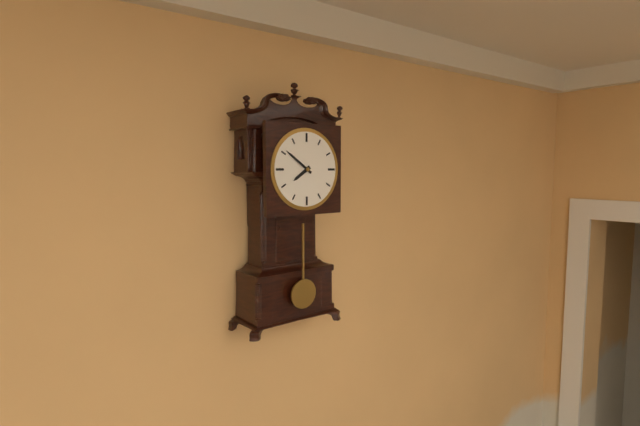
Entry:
7h51
